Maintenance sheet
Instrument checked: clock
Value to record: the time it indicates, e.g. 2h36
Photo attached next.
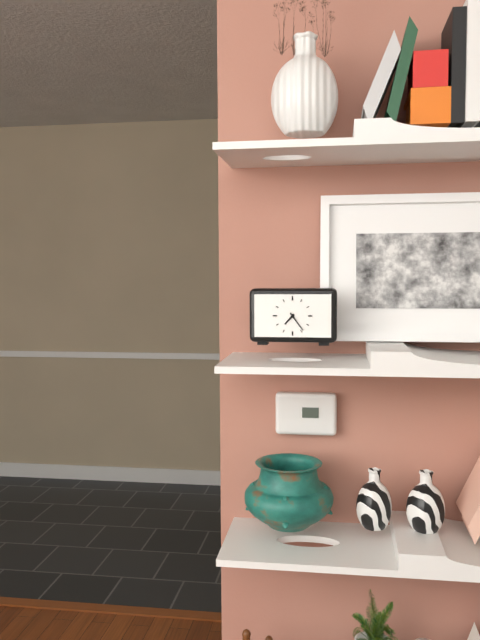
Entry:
7h24
